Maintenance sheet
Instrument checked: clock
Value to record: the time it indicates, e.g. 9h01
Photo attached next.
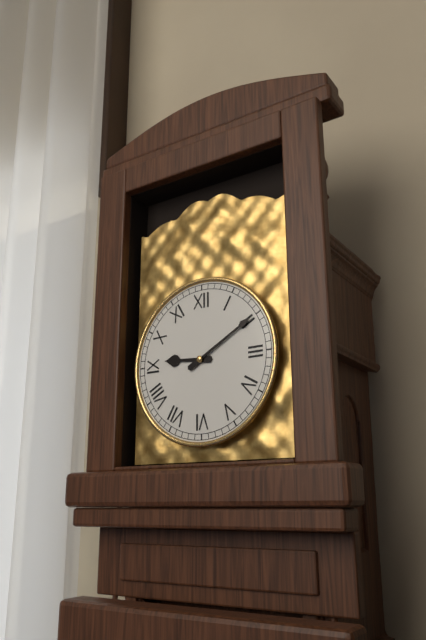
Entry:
9h10
